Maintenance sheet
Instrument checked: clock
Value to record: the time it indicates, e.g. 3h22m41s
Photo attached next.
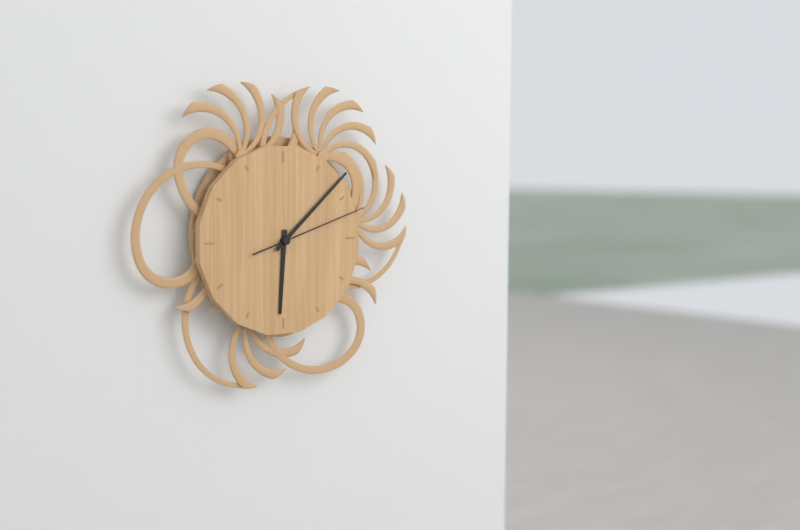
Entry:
6h08m12s
